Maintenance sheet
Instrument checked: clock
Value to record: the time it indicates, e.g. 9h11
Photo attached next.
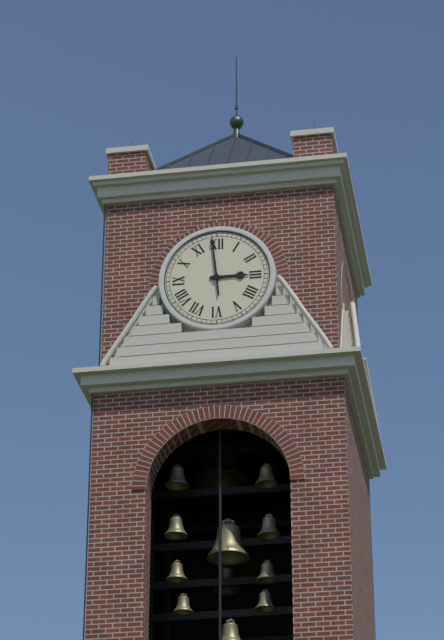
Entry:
2h59
